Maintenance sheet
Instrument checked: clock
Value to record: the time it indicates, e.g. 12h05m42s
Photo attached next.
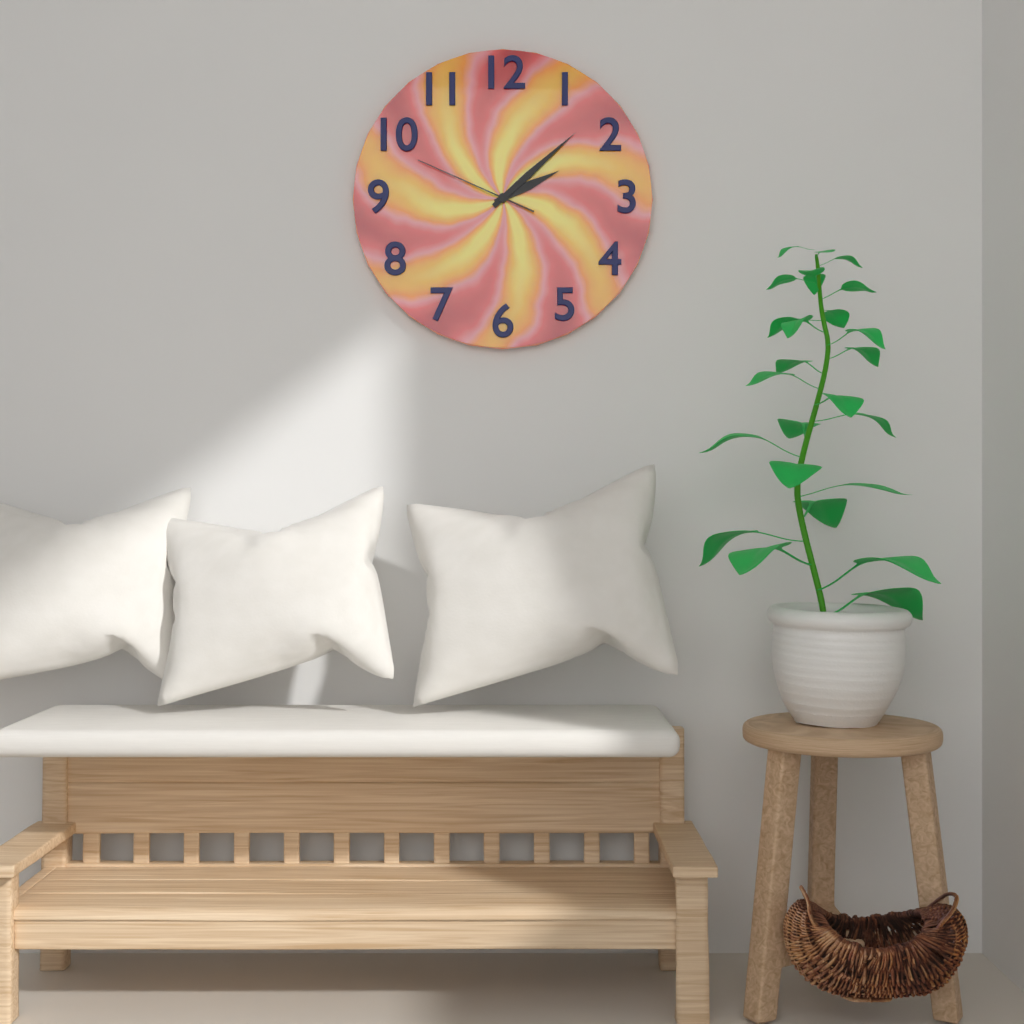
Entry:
2h08m49s
